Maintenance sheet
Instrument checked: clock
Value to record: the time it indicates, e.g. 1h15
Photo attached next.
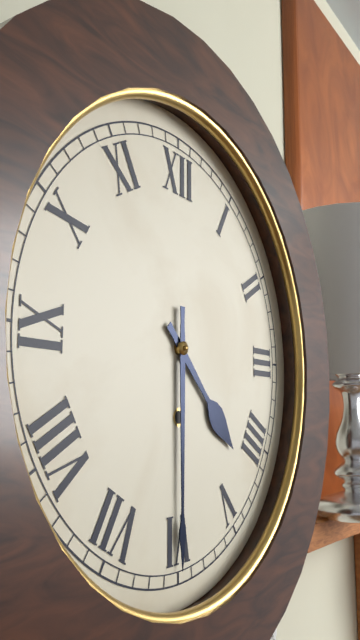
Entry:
4h30
